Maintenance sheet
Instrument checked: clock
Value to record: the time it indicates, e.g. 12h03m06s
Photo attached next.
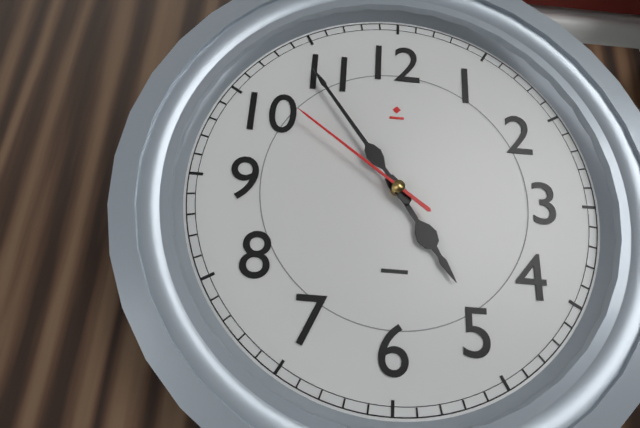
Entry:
4h54m51s
